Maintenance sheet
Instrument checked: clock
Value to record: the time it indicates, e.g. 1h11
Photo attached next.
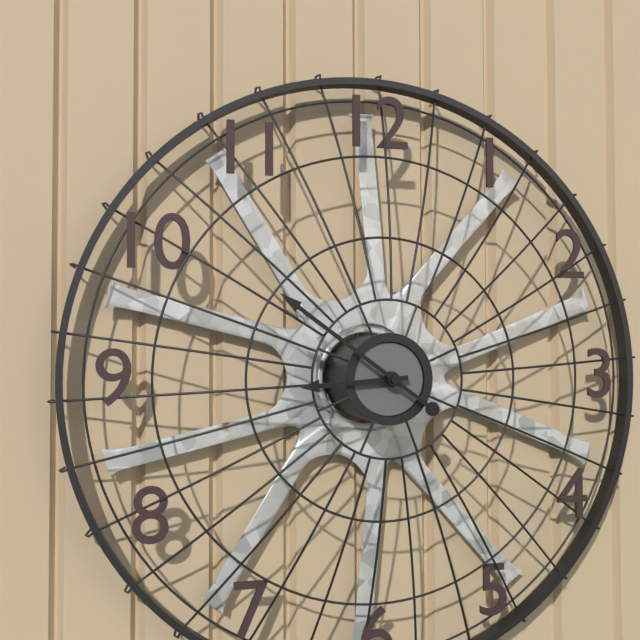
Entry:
8h51
